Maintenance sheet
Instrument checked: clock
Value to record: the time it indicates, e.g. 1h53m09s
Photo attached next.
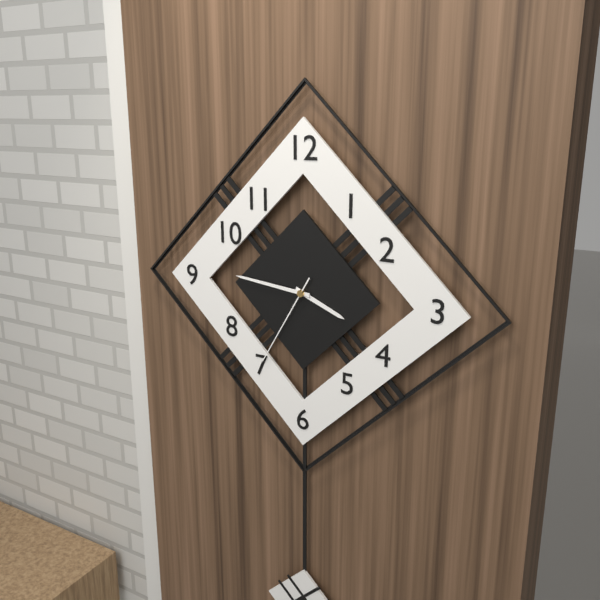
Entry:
3h46m35s
